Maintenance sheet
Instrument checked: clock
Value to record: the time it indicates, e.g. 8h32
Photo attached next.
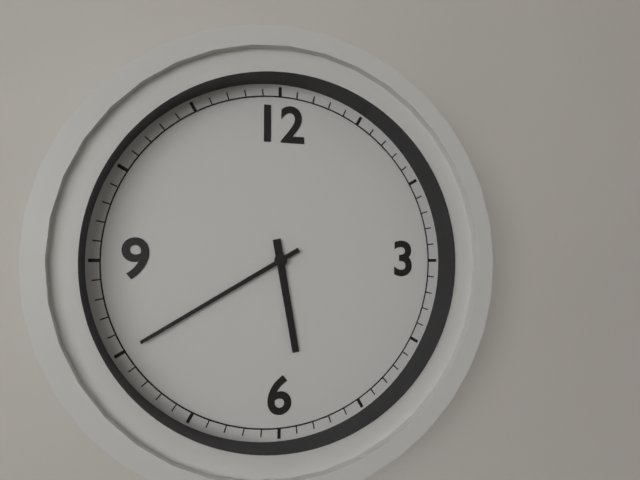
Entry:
5h40
